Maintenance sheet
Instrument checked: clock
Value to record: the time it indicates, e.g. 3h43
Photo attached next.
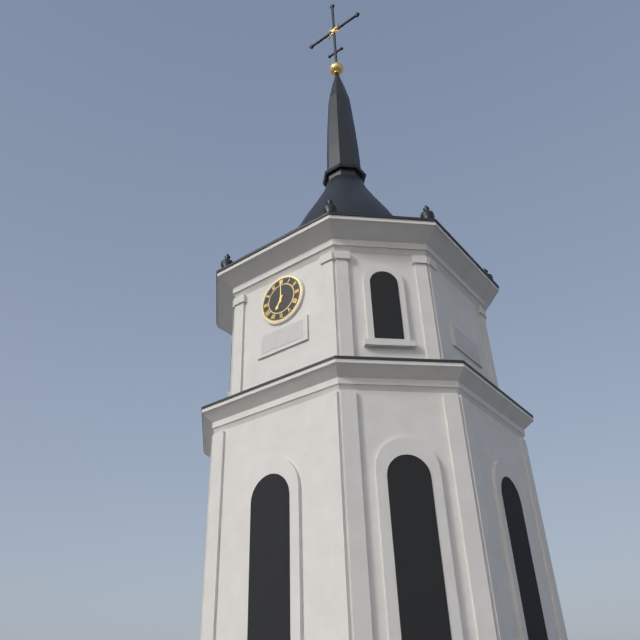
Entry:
7h00
